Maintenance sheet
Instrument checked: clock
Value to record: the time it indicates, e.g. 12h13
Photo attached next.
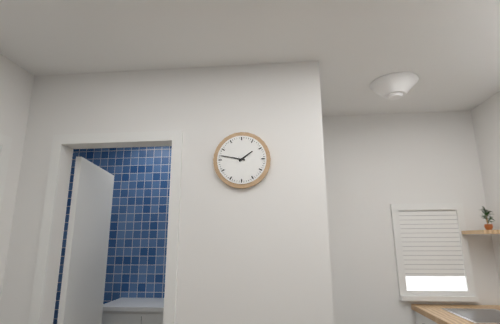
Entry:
1h47
